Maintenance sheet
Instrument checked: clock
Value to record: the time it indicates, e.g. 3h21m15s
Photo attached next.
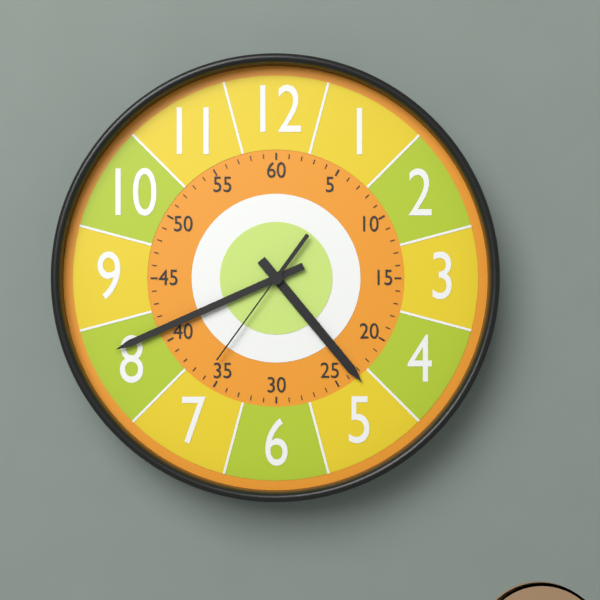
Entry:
4h41m36s
